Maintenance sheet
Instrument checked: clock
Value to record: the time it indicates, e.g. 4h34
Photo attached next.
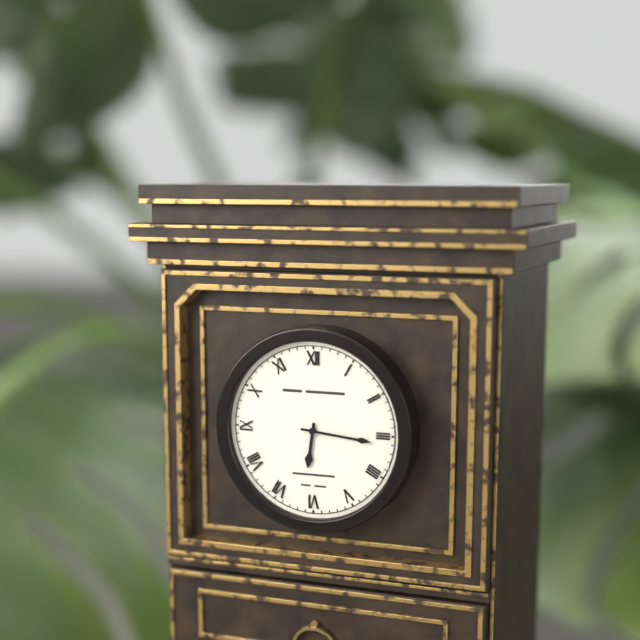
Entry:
6h16
